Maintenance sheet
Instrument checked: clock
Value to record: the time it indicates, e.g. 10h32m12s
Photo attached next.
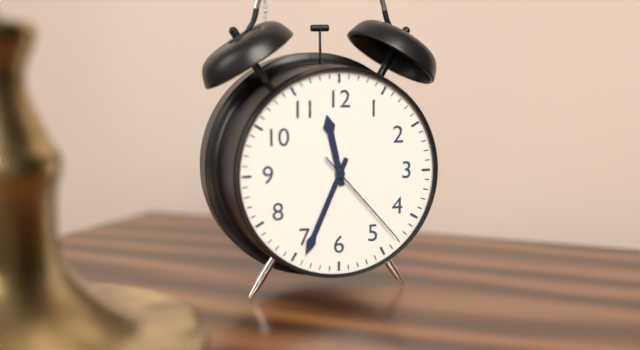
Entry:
11h34m23s
